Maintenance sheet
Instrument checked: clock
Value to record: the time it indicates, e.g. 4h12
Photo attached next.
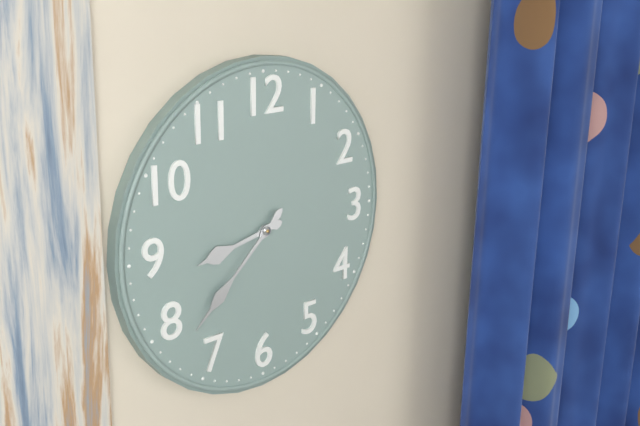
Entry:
8h38
